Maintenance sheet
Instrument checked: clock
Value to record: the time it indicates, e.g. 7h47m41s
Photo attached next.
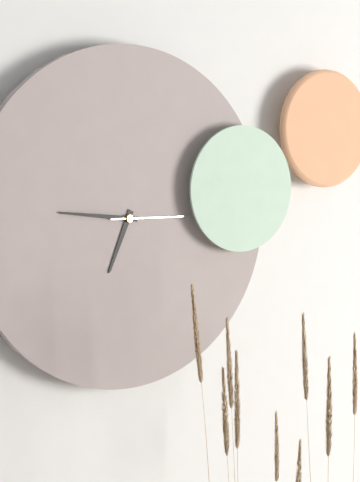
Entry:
6h46m15s
